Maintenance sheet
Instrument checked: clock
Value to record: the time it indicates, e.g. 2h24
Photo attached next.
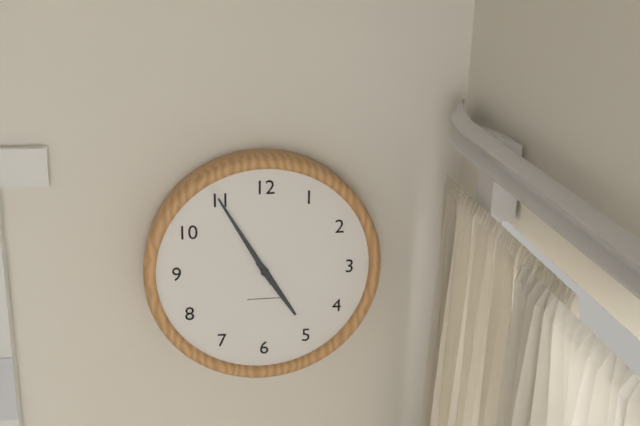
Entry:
4h55
